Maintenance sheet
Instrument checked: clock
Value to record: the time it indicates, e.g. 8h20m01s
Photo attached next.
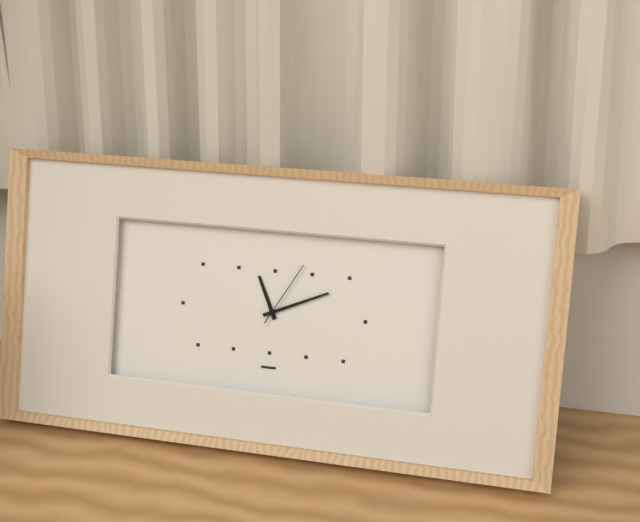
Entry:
11h11m05s
